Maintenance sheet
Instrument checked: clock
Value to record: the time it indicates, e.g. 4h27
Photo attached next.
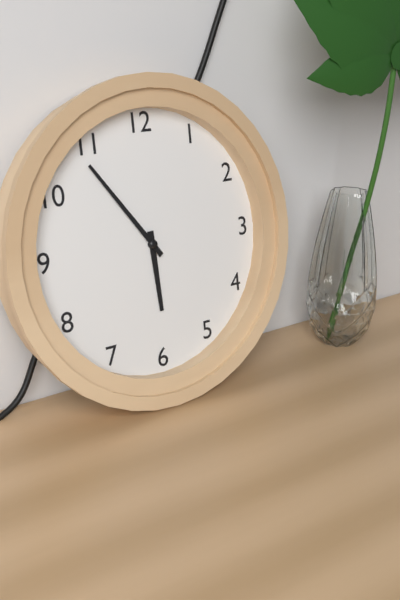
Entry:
5h54
